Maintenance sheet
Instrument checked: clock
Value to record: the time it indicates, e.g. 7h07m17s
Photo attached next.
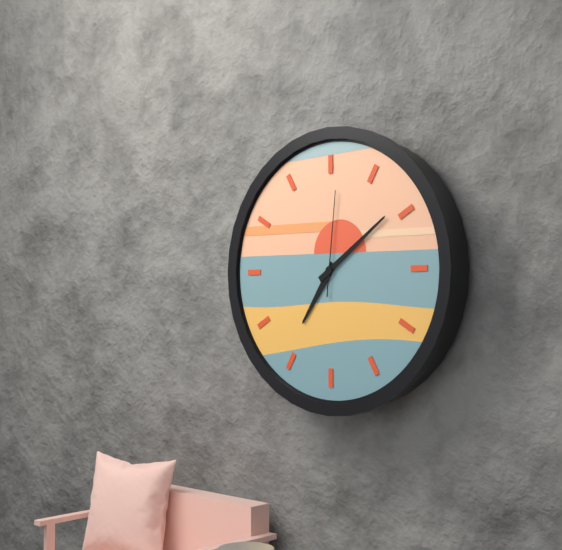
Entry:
7h09m01s
